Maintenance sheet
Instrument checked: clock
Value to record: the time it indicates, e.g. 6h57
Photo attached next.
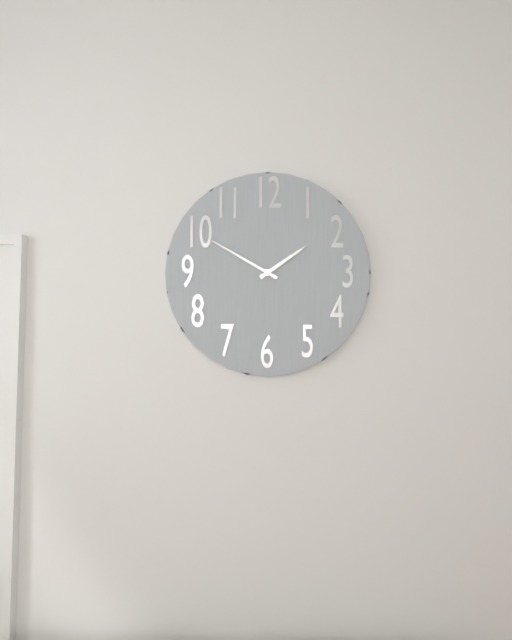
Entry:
1h50
